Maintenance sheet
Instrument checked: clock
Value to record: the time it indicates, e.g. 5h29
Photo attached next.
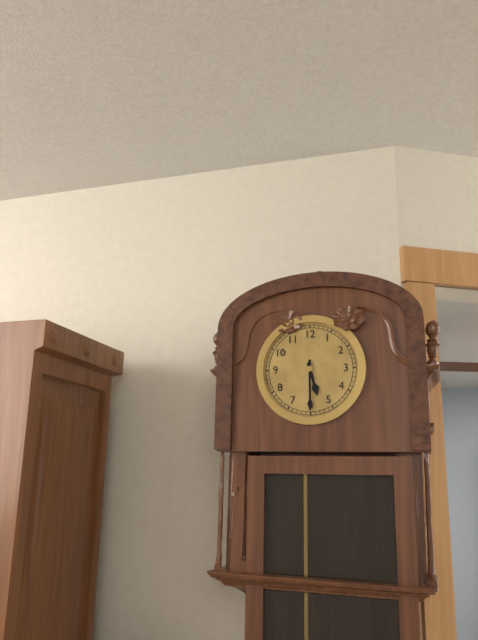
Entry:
5h30
